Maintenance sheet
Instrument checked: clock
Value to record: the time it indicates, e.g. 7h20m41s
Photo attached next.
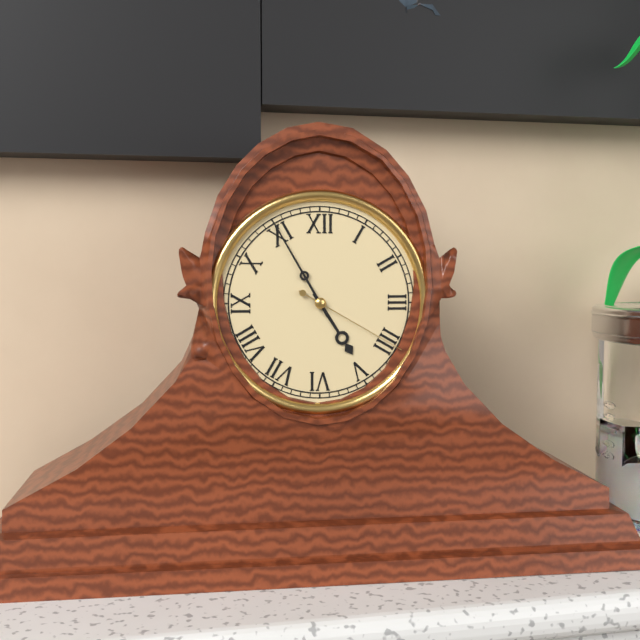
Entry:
4h55m20s
